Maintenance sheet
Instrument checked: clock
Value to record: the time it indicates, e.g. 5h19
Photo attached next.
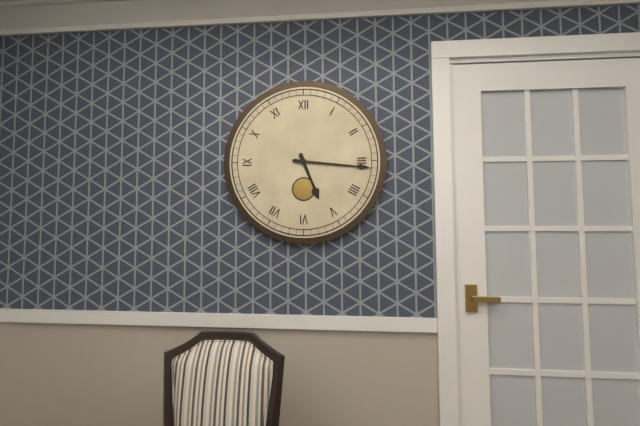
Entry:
5h16
